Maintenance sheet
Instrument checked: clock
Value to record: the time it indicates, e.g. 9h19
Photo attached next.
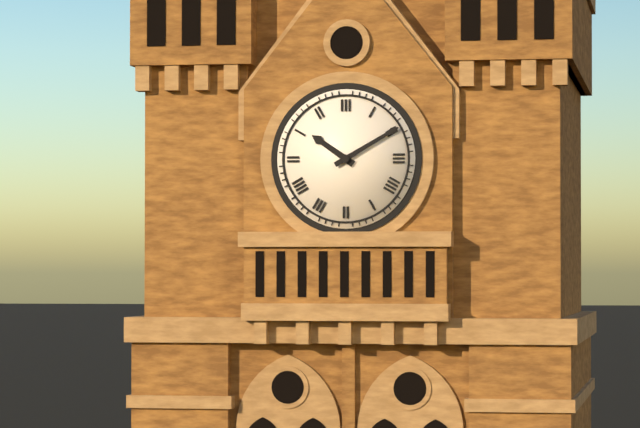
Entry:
10h10
